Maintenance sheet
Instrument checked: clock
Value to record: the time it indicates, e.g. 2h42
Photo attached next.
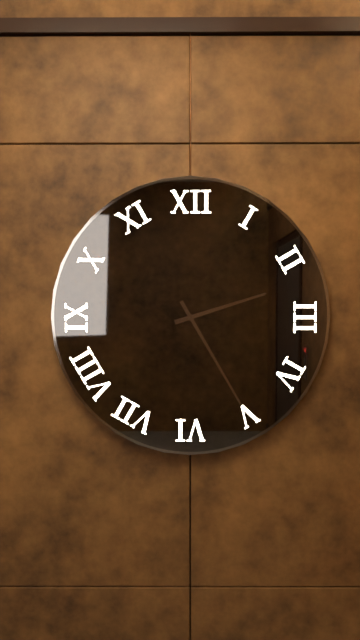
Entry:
2h25
